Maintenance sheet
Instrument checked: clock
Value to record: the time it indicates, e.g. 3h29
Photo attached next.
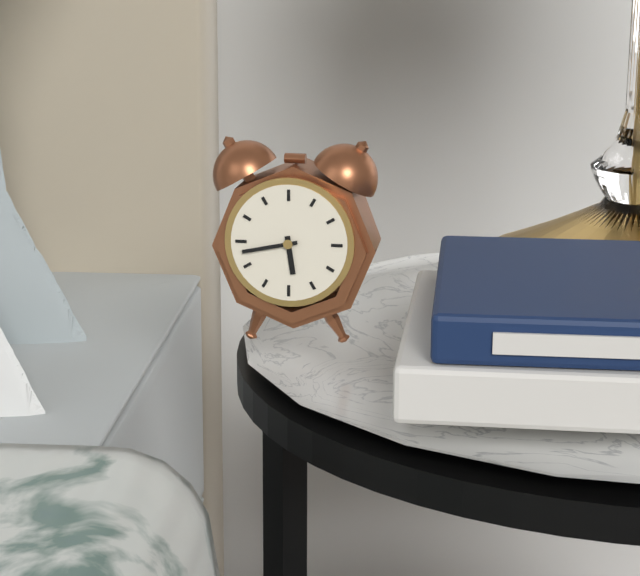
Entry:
5h43
